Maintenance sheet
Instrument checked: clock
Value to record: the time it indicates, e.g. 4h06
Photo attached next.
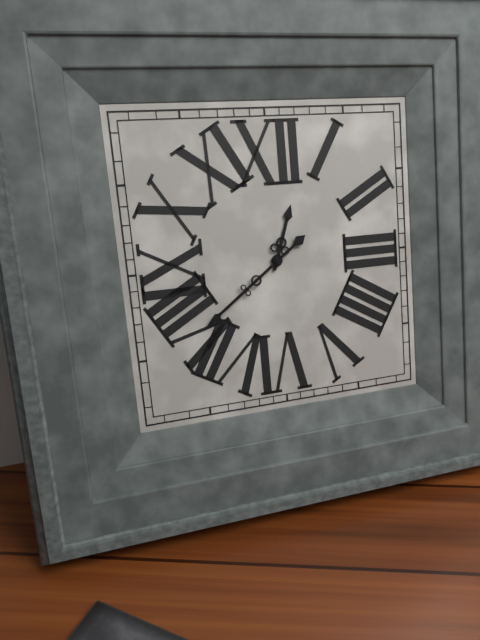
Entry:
12h39
